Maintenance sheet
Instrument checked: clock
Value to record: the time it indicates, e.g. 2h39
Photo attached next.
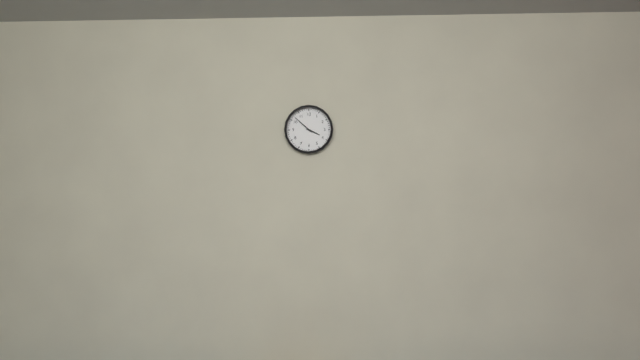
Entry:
3h52
